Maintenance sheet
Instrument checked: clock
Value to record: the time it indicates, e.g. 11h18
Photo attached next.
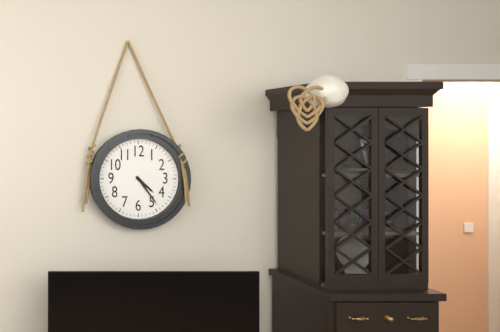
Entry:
4h24
